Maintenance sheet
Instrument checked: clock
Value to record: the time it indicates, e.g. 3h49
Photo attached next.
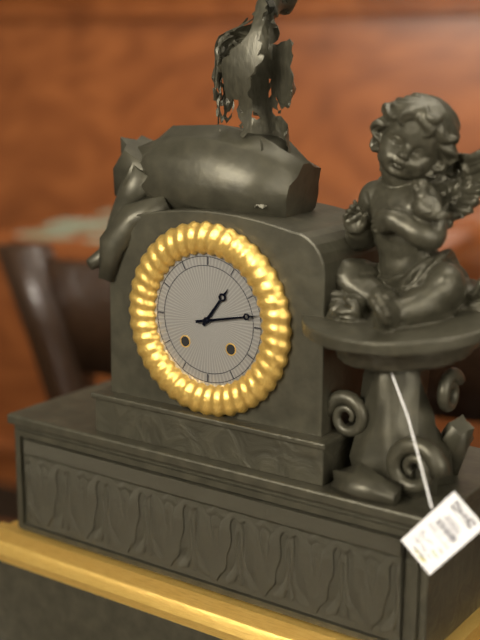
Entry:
1h13
